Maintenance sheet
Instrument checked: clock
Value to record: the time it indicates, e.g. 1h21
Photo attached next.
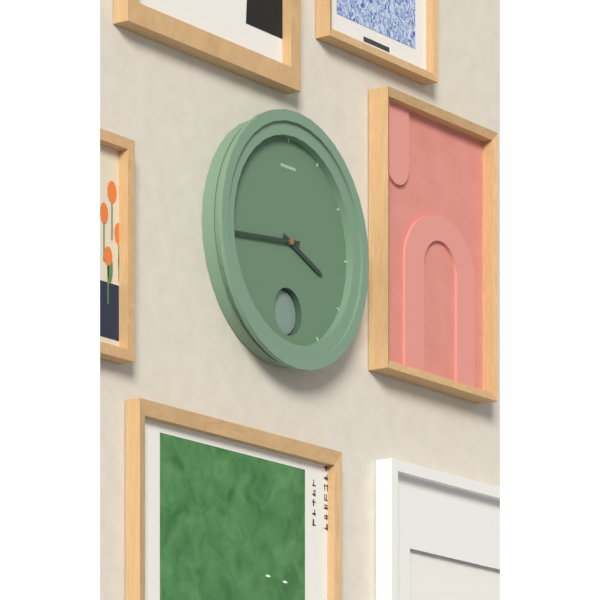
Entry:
3h44
